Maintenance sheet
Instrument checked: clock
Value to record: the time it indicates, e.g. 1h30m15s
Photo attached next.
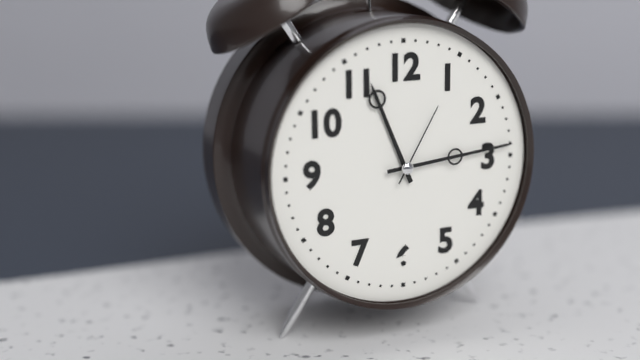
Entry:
11h14m05s
